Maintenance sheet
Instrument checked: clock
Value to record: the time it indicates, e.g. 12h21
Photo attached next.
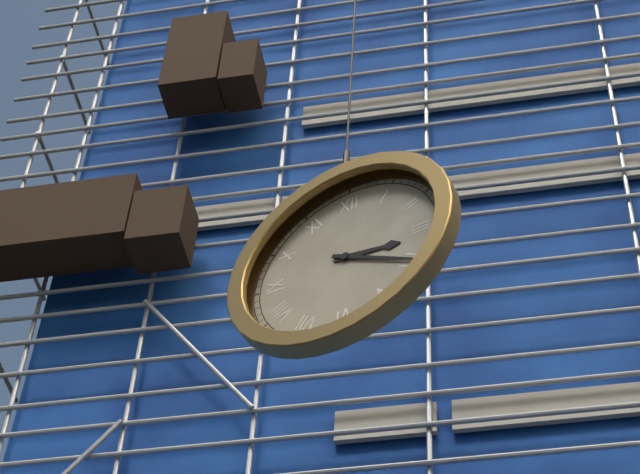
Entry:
3h20
